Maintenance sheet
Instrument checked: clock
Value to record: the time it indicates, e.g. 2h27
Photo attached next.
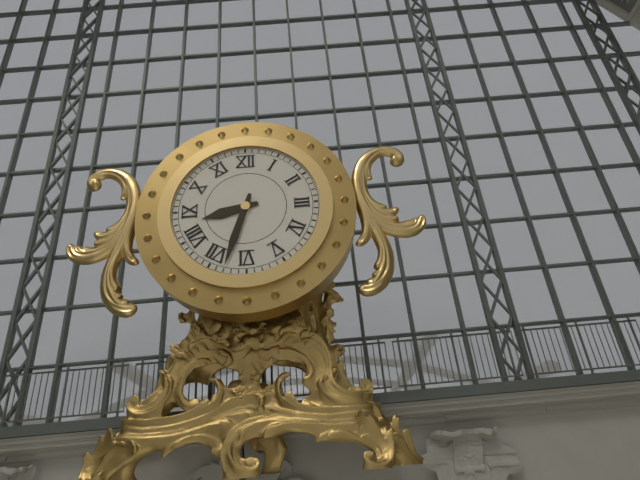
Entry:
8h33
